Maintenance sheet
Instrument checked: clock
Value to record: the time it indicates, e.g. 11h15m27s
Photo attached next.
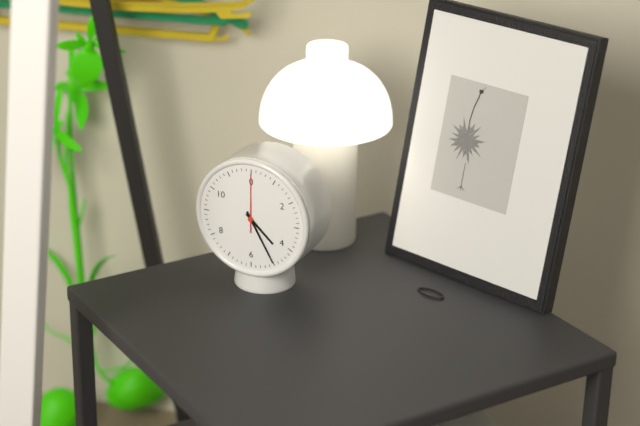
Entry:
4h25m00s
